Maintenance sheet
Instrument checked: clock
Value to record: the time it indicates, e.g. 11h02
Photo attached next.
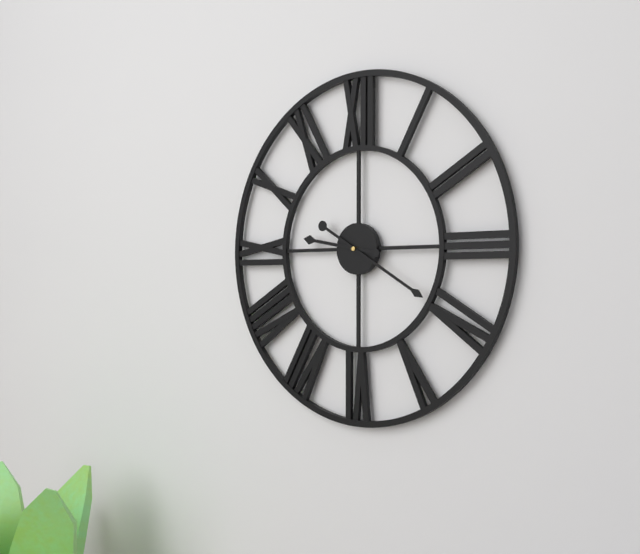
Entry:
9h20
